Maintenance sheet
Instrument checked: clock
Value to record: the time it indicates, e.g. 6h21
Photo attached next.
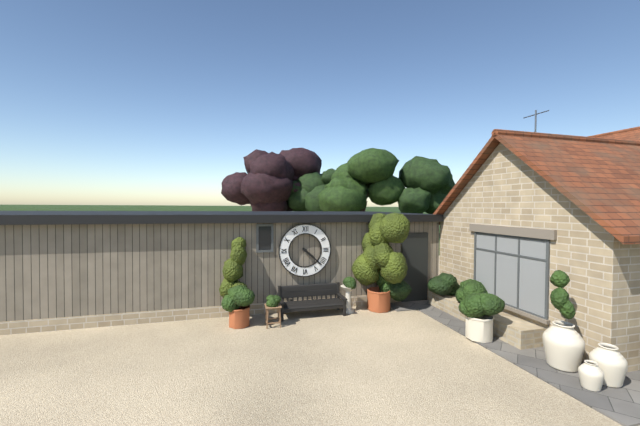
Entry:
4h22
